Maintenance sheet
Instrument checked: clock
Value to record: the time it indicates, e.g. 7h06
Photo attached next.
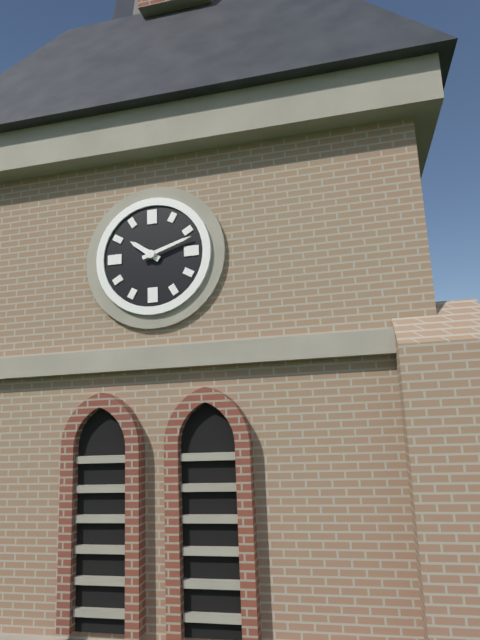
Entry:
10h12
